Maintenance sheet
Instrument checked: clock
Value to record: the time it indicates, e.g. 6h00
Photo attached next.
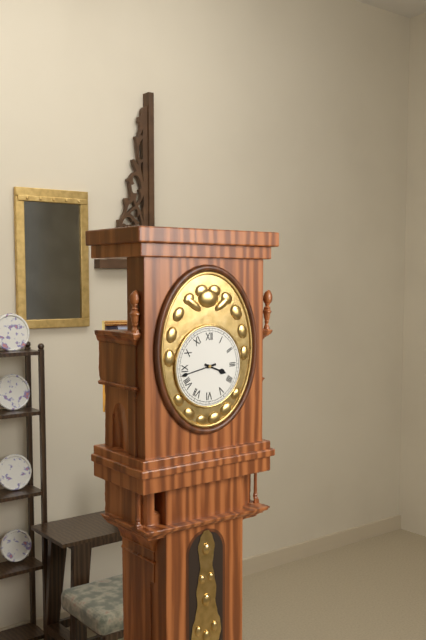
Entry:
3h43
